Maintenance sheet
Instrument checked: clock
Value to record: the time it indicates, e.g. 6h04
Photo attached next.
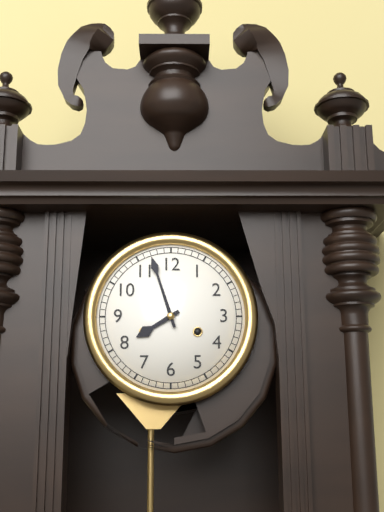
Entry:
7h57
